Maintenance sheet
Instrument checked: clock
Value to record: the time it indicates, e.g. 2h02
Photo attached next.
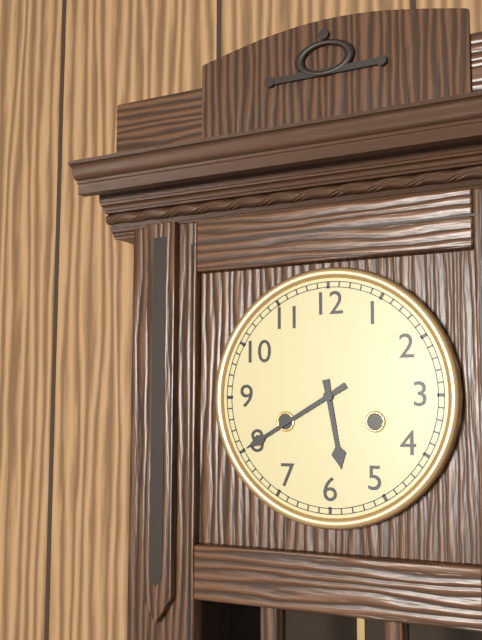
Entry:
5h40
